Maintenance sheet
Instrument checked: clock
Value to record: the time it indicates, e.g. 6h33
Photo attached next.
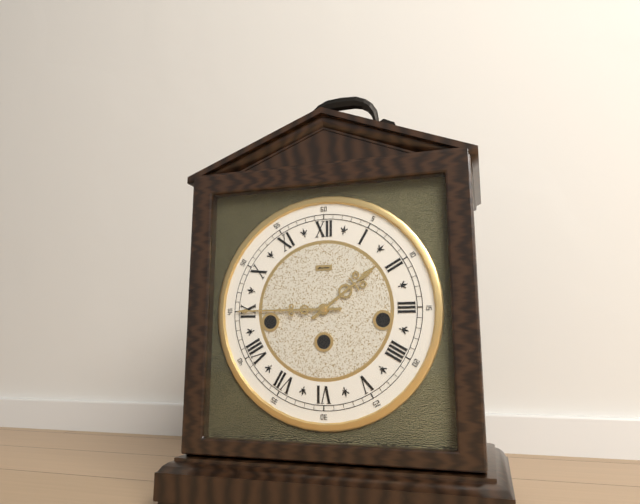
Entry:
1h45
